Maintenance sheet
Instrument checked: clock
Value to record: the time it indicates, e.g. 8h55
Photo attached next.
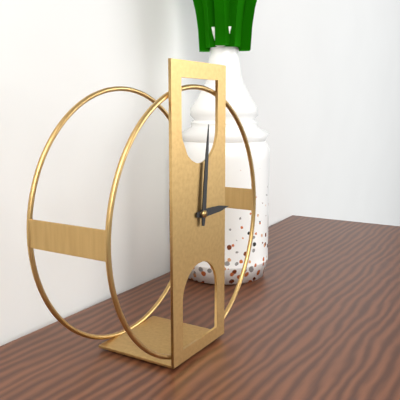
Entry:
3h01
